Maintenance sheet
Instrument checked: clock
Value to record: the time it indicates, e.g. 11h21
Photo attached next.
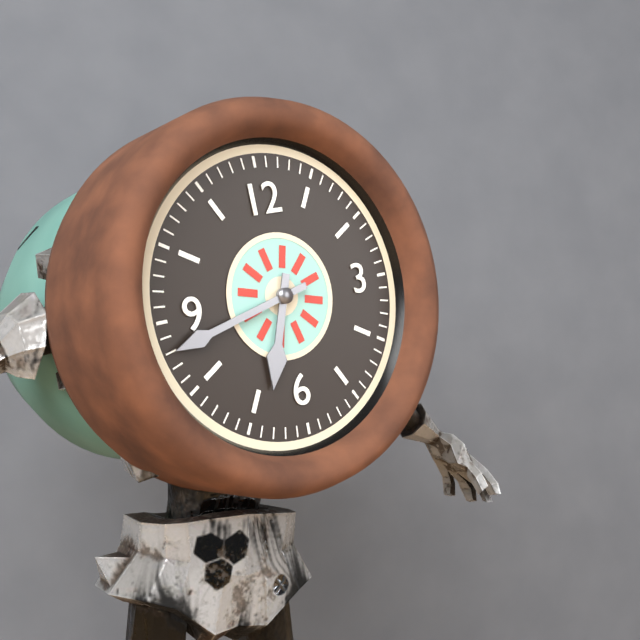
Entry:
6h43
